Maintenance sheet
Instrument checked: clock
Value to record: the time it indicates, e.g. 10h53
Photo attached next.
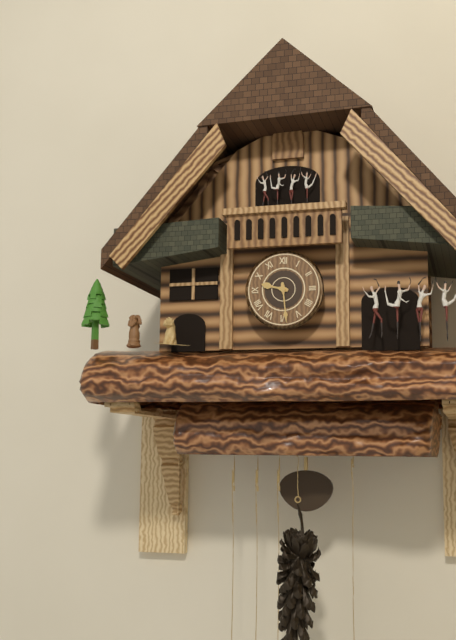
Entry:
9h29
